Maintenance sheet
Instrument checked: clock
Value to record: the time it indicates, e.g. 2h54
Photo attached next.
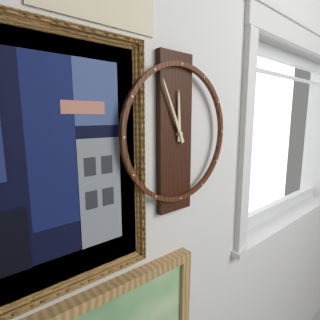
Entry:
11h56
